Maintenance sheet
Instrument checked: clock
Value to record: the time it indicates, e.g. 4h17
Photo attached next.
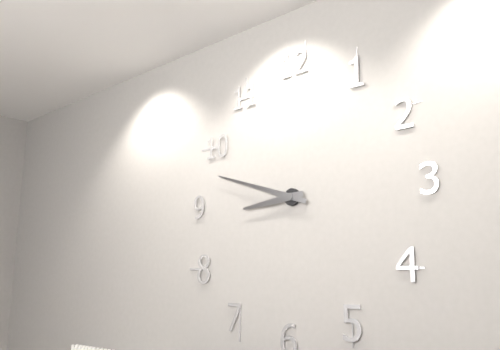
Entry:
8h48
